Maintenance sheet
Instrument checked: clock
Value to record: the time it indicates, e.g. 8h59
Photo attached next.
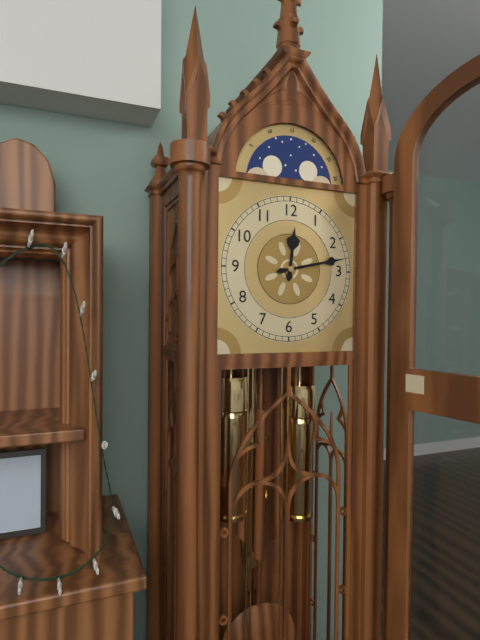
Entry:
12h13
